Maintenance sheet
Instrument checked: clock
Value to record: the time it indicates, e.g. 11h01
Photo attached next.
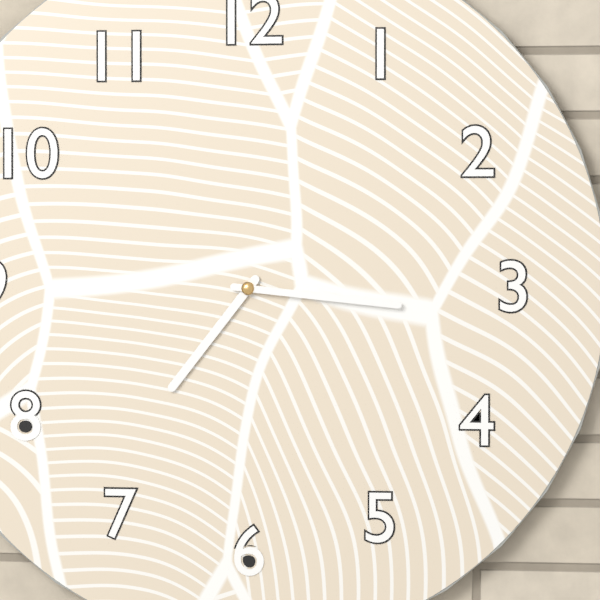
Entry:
7h16
